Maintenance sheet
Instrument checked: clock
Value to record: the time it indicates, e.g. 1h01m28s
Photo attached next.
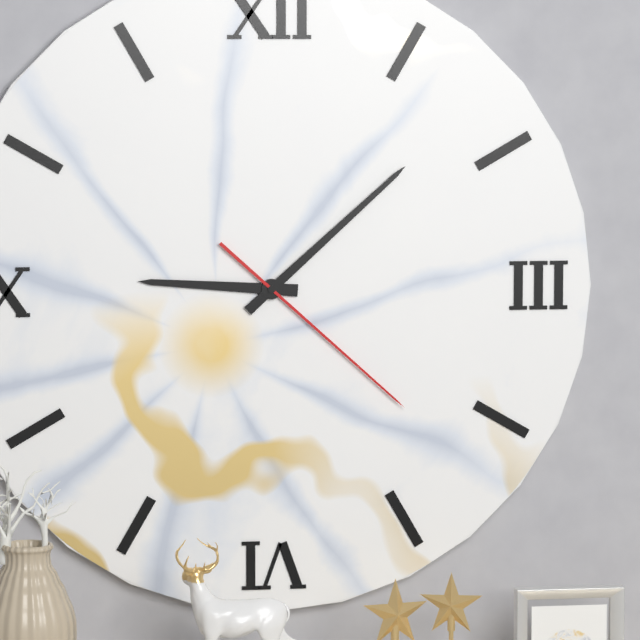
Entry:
9h08m22s
